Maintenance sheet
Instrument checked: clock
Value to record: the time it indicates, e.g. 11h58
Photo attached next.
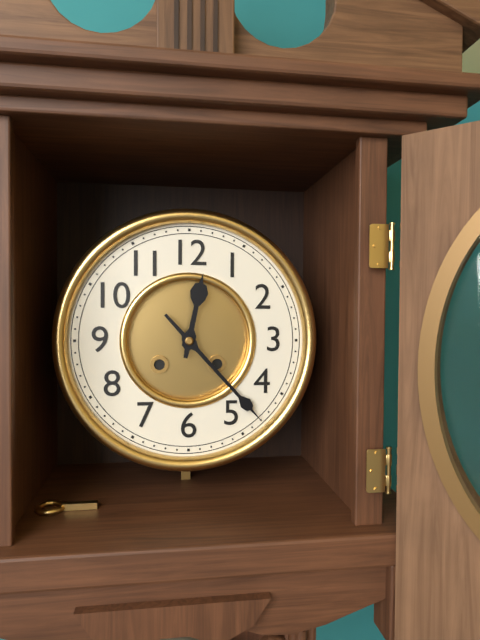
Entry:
12h23
